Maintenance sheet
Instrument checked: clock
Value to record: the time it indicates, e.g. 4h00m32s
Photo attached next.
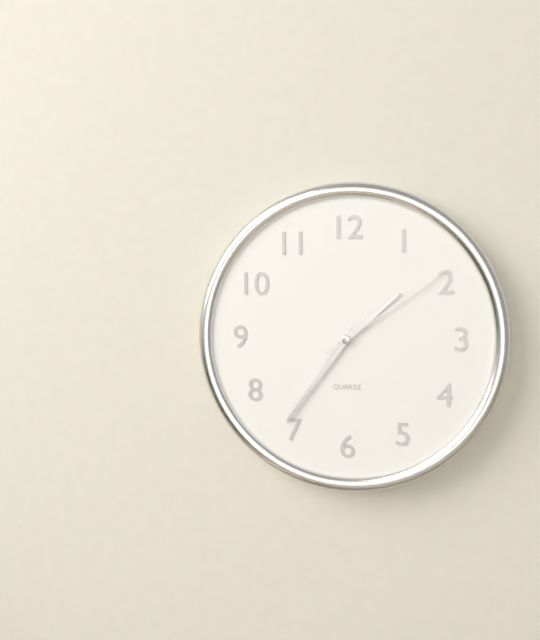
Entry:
1h36m09s
